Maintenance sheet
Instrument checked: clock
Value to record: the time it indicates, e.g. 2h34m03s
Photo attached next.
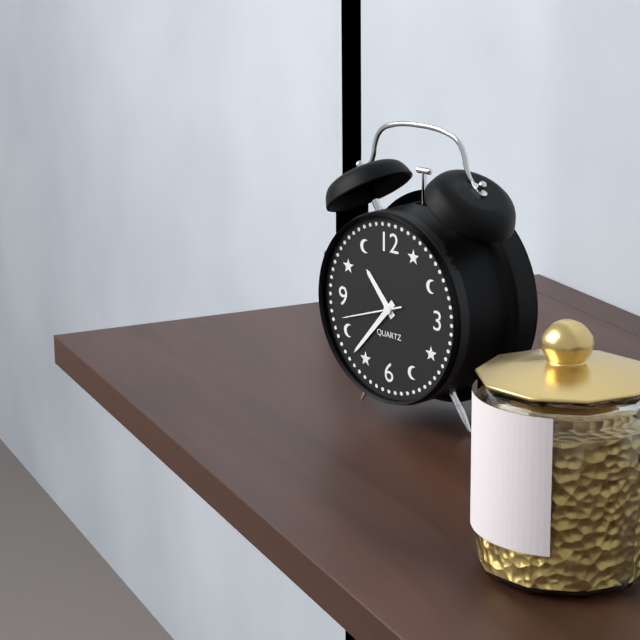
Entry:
10h37m42s
